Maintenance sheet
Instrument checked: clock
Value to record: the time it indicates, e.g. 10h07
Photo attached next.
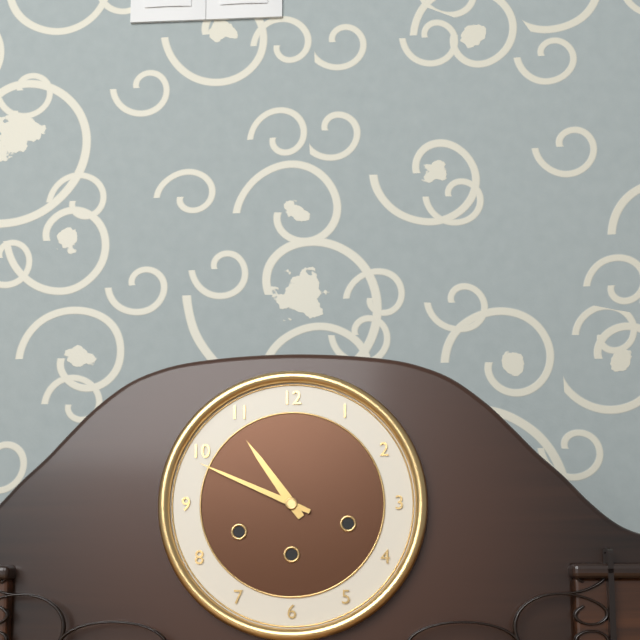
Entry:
10h49
